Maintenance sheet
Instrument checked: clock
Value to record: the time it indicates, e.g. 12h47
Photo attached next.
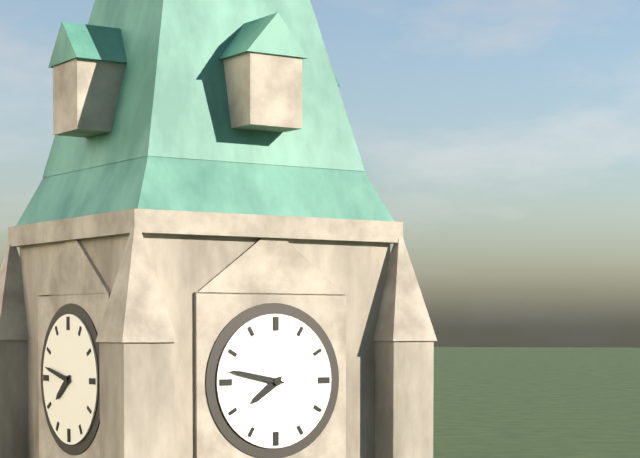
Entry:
7h47
